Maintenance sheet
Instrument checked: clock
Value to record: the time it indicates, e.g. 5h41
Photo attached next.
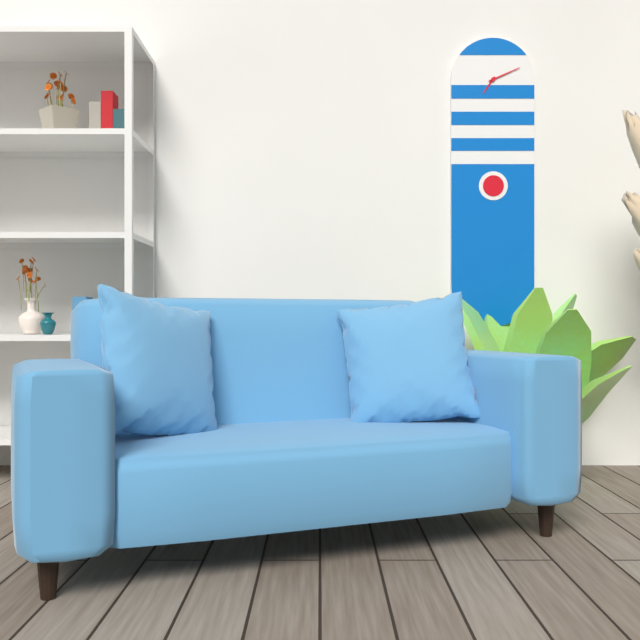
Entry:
7h11
